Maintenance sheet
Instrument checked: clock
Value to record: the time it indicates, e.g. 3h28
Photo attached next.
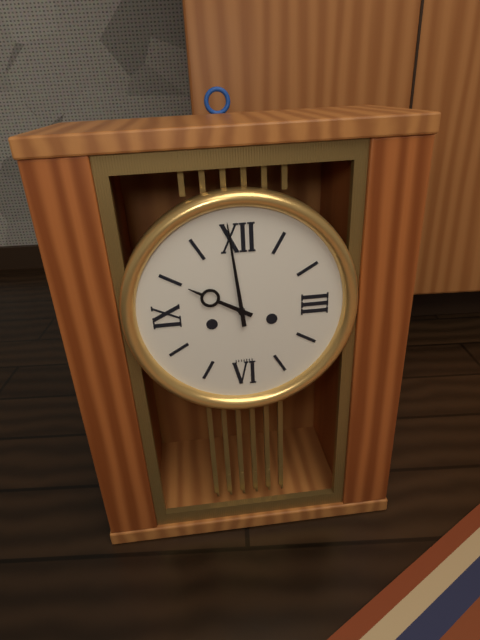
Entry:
9h59
